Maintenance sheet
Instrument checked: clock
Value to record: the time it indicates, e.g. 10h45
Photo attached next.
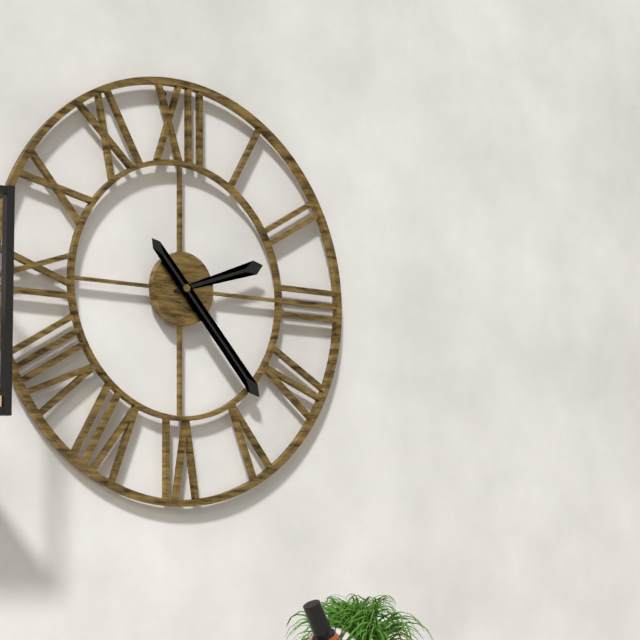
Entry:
2h23
